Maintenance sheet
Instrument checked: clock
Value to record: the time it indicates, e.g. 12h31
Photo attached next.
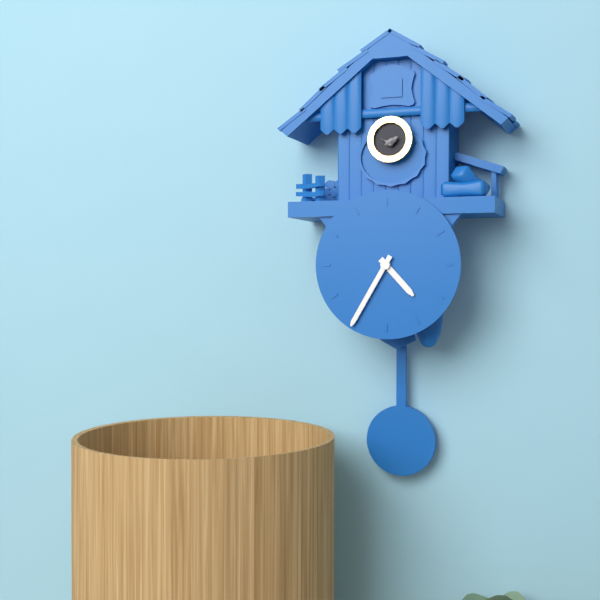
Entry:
4h35
